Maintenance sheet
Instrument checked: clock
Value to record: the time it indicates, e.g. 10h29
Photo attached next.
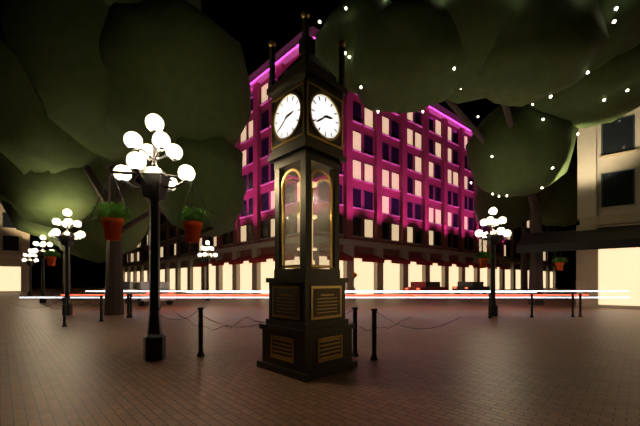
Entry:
2h39
